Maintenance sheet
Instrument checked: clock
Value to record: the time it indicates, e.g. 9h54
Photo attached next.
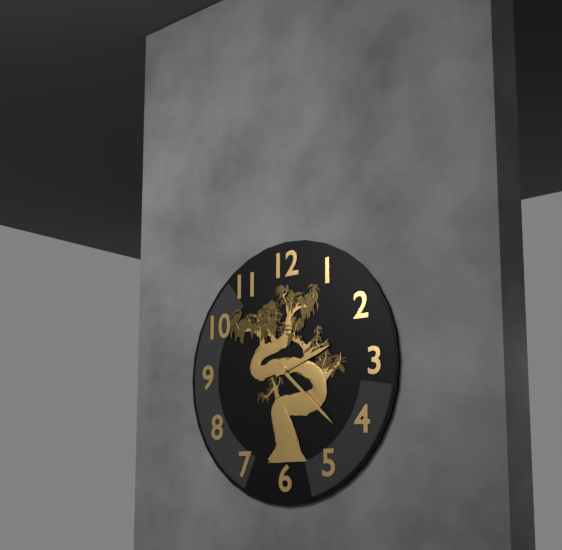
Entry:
2h22
